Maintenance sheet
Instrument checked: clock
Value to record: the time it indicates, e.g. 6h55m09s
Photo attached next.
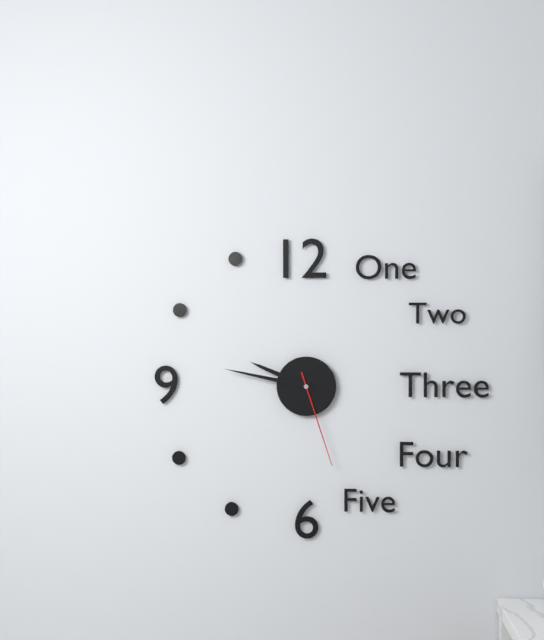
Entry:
9h47m27s
